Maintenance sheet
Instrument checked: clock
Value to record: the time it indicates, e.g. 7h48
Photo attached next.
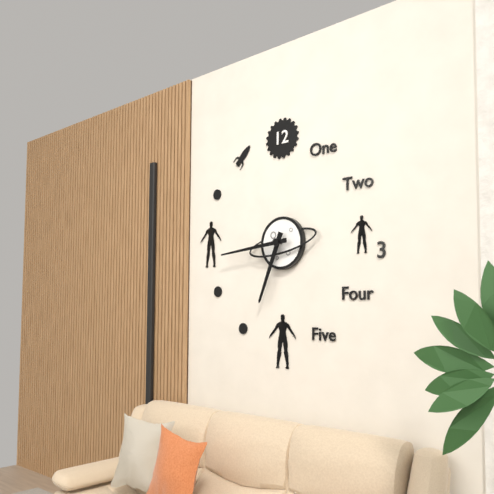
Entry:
6h44
